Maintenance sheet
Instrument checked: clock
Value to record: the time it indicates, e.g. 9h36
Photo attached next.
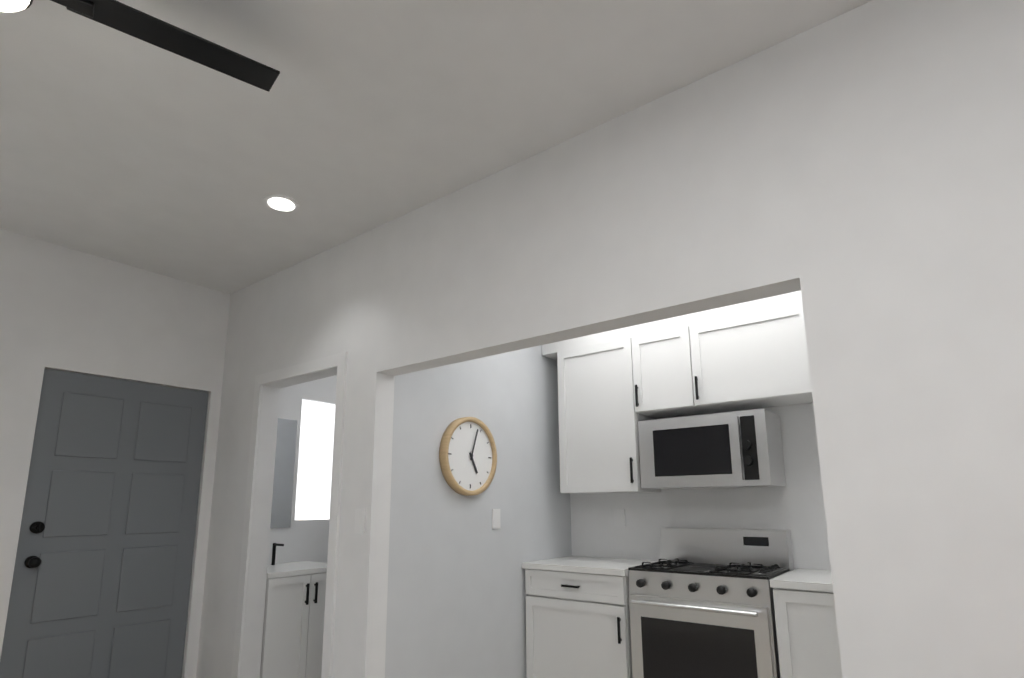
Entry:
5h03
